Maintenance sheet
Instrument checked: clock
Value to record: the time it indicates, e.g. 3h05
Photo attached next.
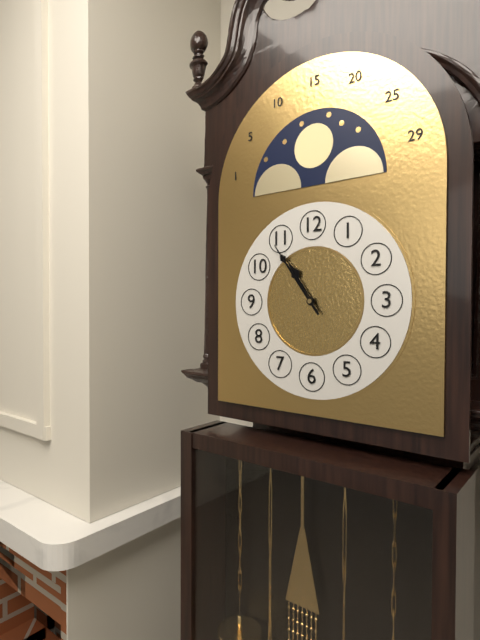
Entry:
10h54
